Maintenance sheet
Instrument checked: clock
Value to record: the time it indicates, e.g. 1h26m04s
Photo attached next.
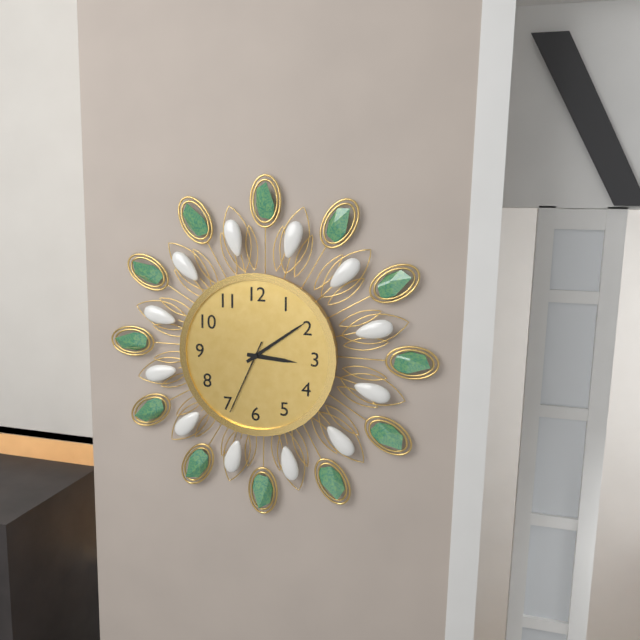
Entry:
3h09m34s
